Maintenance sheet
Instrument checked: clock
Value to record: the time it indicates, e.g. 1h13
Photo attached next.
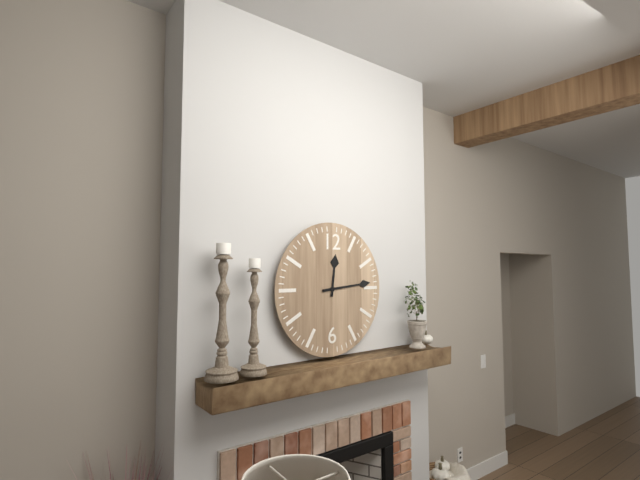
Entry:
12h14
